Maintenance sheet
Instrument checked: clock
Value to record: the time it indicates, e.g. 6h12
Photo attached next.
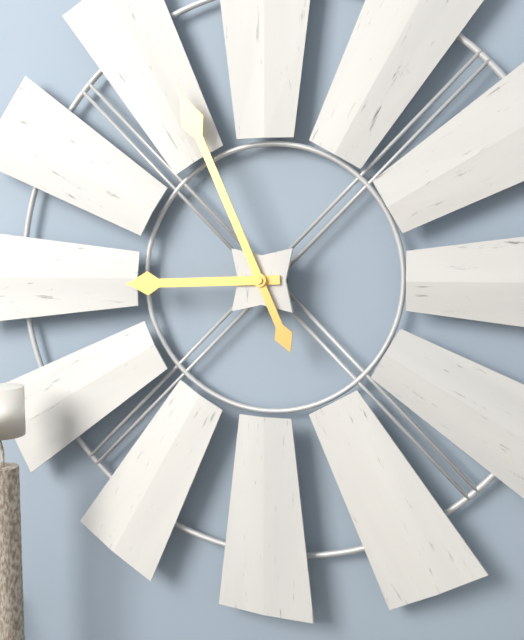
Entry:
8h56
